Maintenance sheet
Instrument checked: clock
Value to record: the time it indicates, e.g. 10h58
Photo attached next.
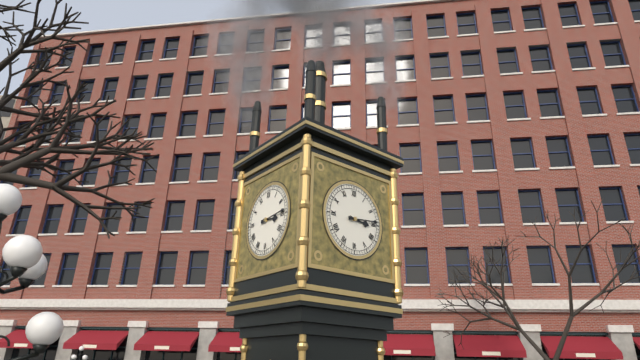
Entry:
3h14
